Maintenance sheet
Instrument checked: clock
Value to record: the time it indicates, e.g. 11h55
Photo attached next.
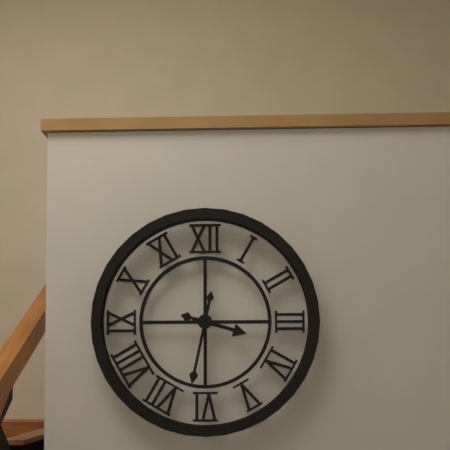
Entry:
3h32
